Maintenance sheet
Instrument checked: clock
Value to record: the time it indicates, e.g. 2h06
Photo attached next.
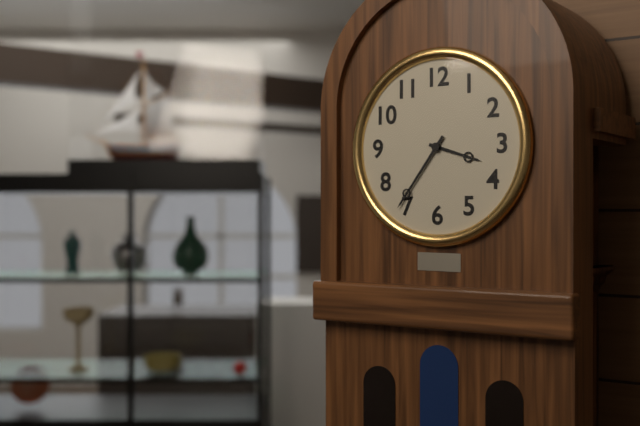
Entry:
3h36
